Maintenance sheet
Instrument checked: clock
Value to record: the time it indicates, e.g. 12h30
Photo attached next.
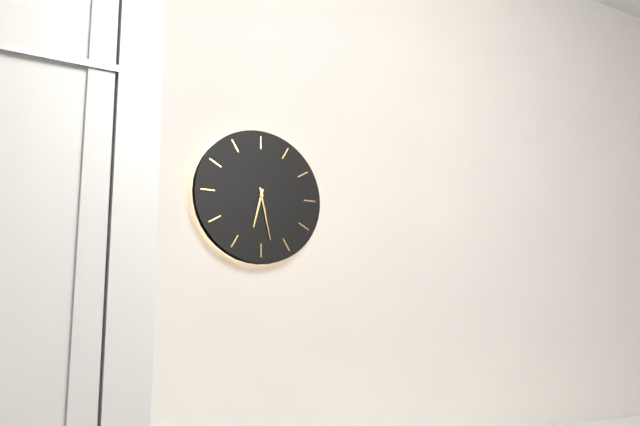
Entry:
6h28
